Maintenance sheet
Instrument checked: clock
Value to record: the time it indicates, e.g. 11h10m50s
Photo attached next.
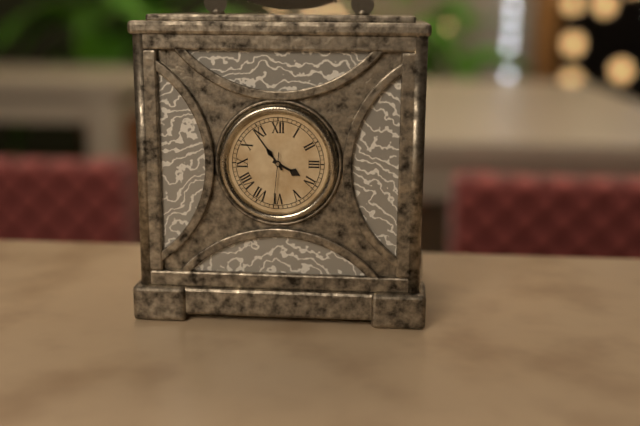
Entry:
3h54m31s
